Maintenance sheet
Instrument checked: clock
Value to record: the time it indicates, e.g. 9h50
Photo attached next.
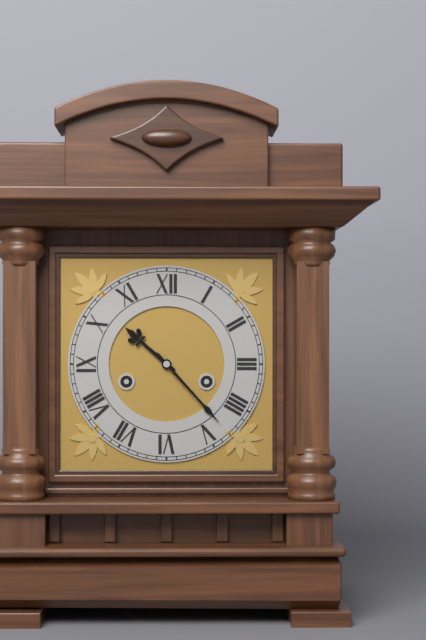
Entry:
10h23
